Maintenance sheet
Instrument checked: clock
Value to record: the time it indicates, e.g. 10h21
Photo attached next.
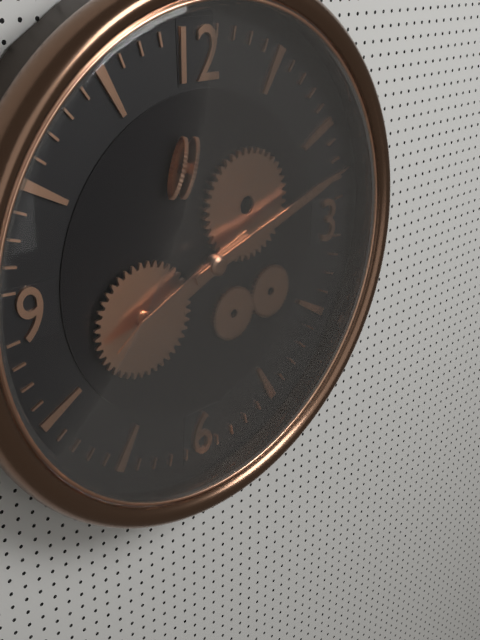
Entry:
8h12
